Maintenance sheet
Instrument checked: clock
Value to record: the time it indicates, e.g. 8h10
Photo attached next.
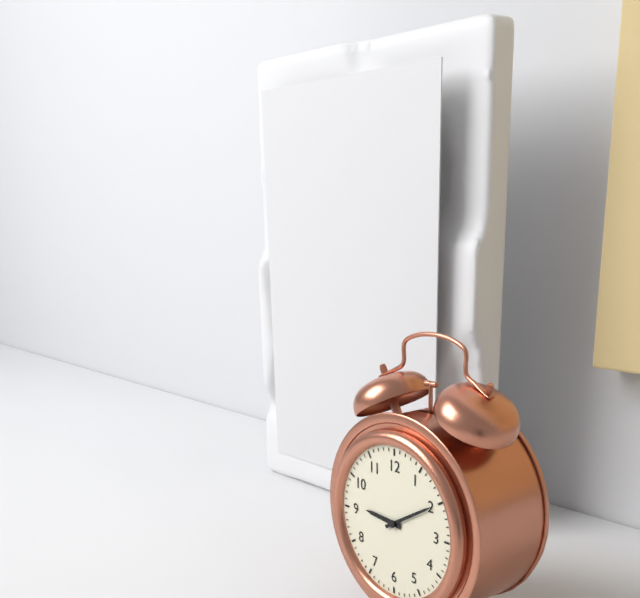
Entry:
9h10
